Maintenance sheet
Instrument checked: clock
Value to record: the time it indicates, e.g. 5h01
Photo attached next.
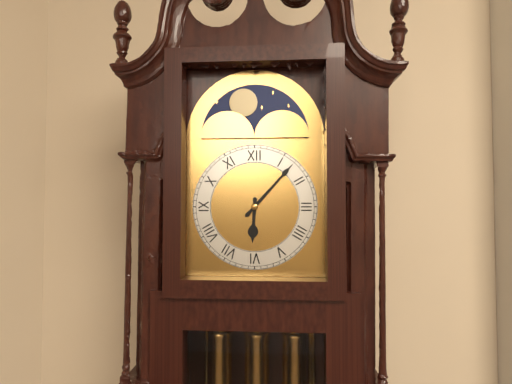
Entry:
6h07
